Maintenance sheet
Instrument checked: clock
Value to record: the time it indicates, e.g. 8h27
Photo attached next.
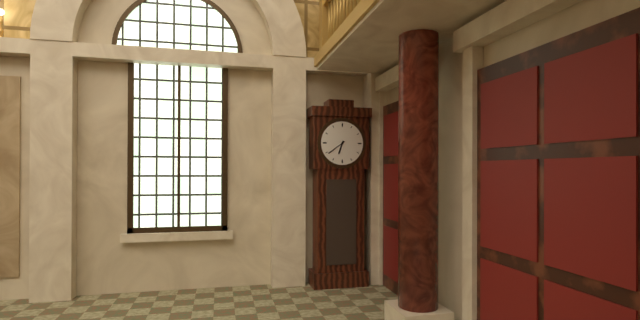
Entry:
6h39
